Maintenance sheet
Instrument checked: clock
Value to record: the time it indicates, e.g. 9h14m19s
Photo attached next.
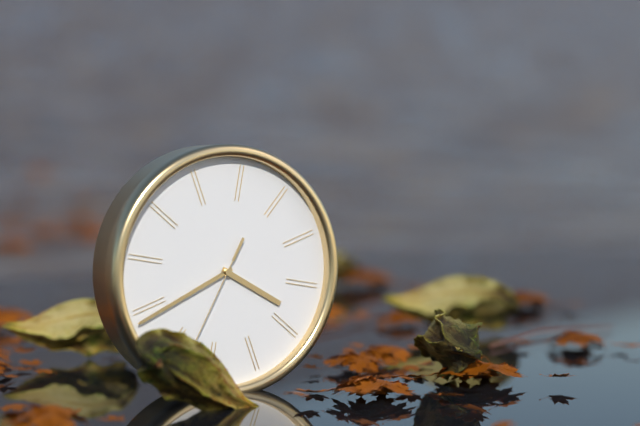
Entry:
3h39m33s
